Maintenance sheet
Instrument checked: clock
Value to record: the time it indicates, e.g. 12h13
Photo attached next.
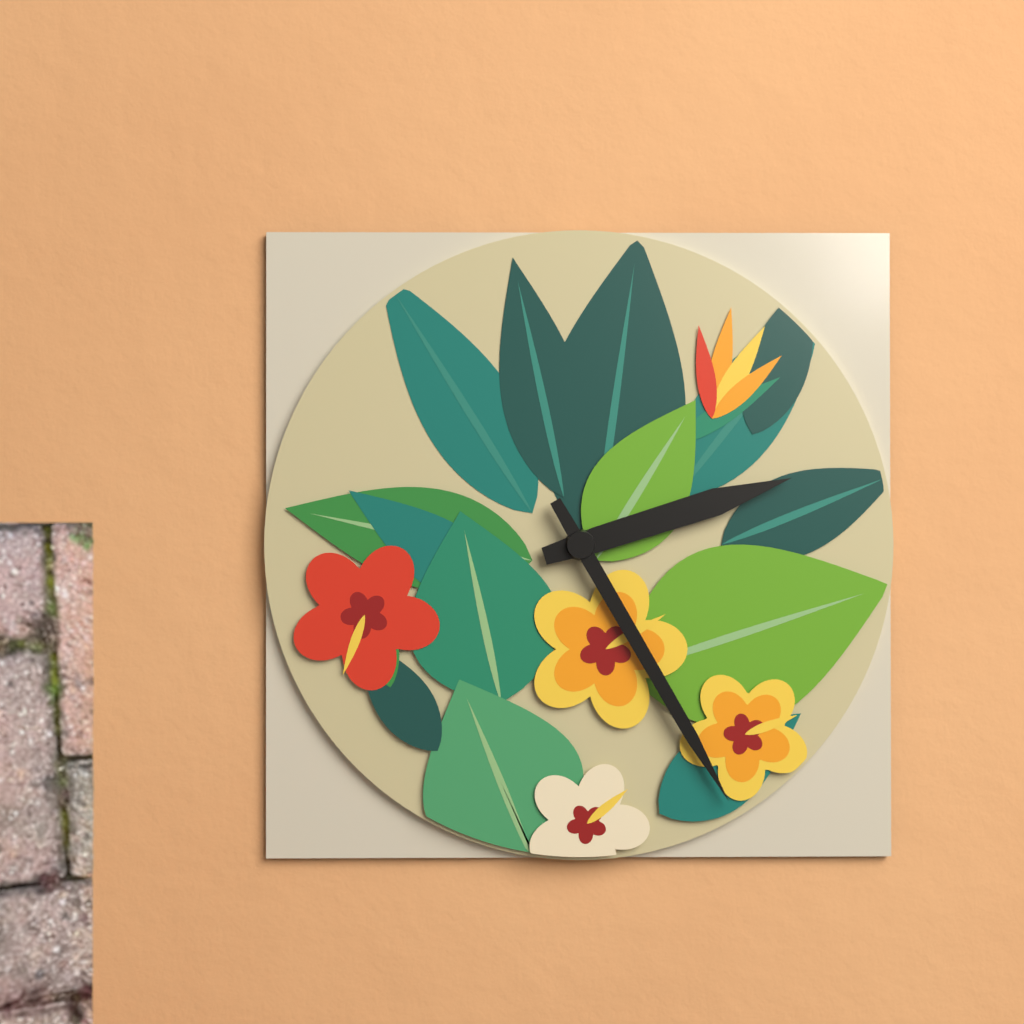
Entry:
2h25
